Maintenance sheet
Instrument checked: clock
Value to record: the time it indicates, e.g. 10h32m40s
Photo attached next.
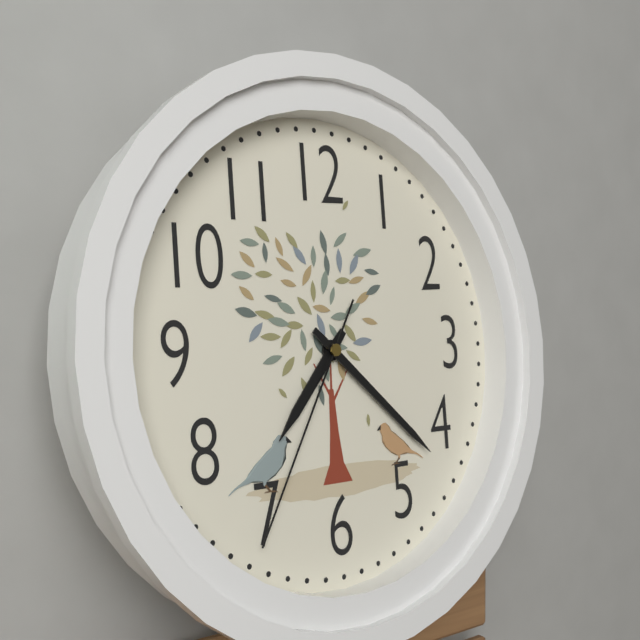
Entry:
7h22m35s
